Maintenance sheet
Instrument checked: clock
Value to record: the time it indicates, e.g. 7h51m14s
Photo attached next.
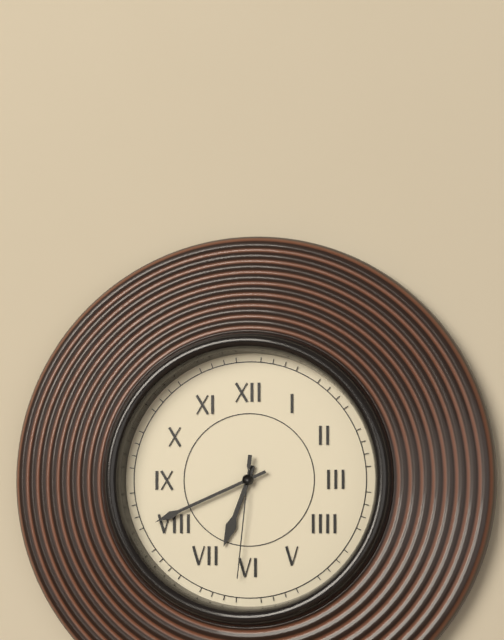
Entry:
6h41m31s
